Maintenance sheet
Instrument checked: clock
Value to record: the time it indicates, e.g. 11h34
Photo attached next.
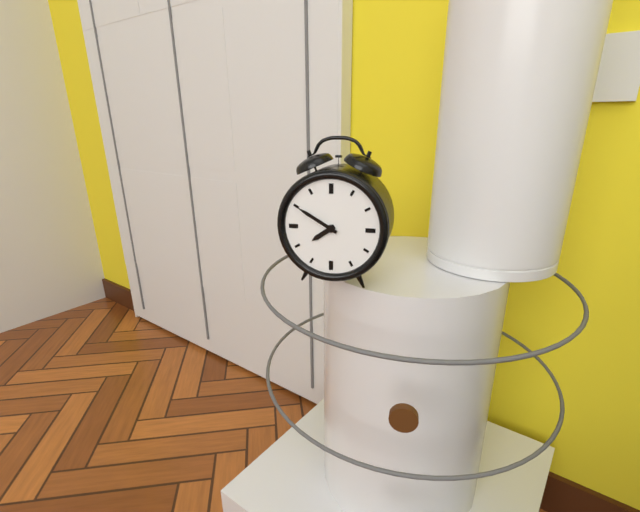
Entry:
7h50
